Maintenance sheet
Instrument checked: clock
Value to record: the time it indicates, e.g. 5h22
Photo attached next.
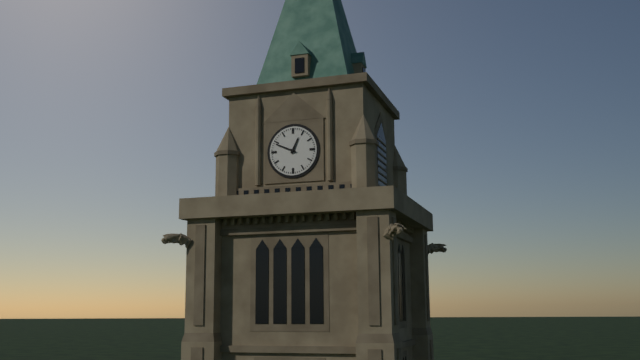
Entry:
12h49
